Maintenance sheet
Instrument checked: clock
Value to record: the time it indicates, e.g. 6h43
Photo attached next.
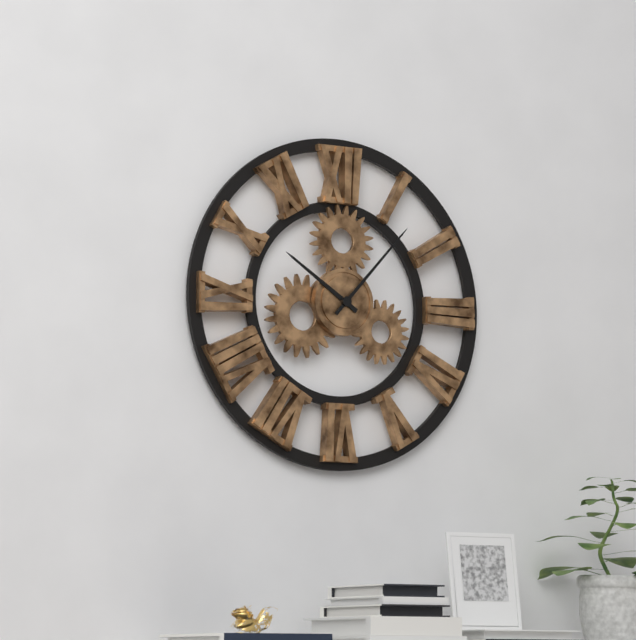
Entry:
10h07
